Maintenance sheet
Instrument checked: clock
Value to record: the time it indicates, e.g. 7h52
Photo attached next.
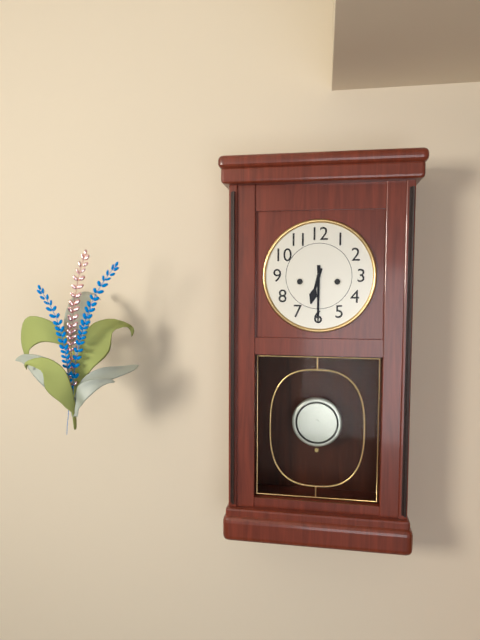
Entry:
6h30
